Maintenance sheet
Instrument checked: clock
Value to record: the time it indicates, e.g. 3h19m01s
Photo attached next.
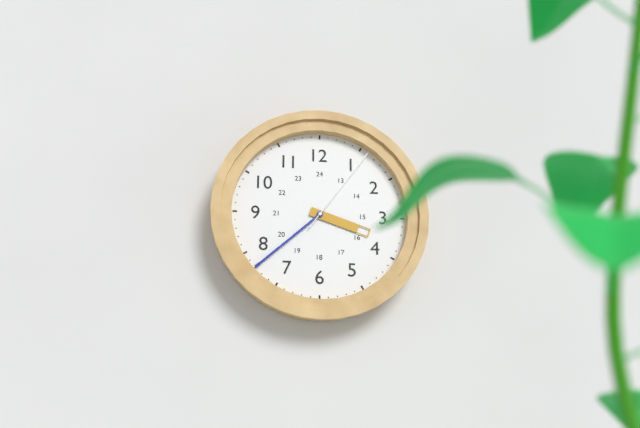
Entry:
3h38m06s
